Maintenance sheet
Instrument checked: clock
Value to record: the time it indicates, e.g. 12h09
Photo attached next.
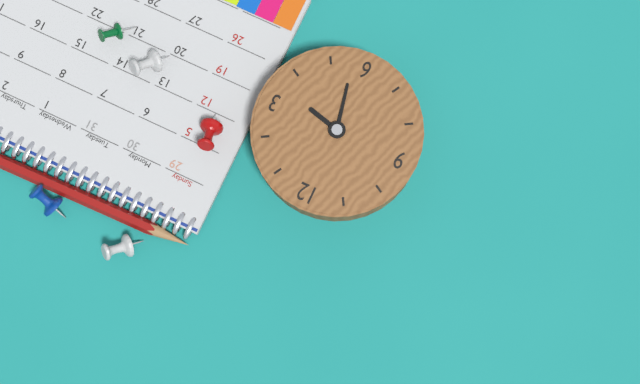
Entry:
3h28
